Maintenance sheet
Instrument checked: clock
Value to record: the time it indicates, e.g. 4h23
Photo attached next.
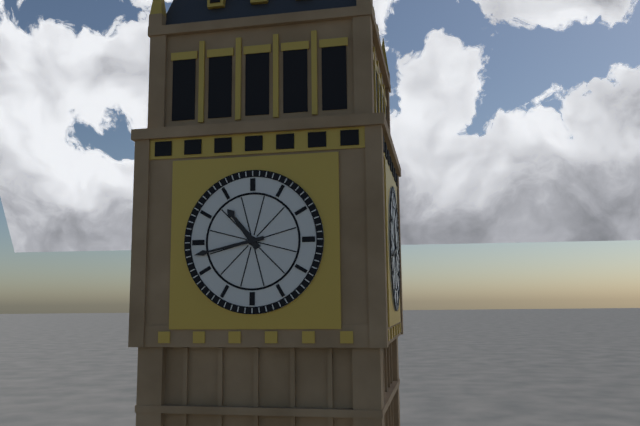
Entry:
10h43
